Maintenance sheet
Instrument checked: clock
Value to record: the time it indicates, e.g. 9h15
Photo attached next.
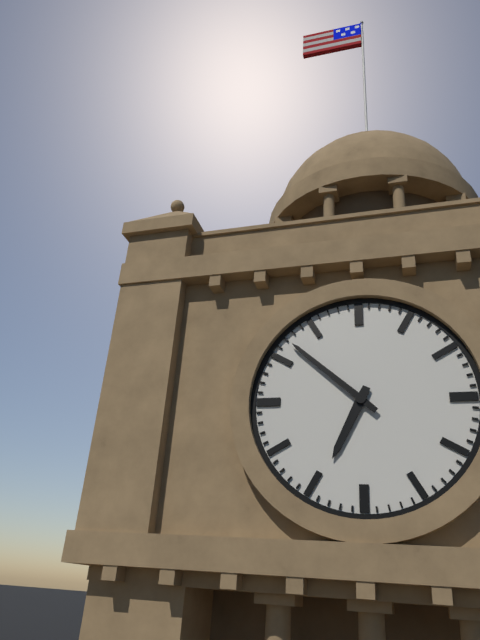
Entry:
6h52
